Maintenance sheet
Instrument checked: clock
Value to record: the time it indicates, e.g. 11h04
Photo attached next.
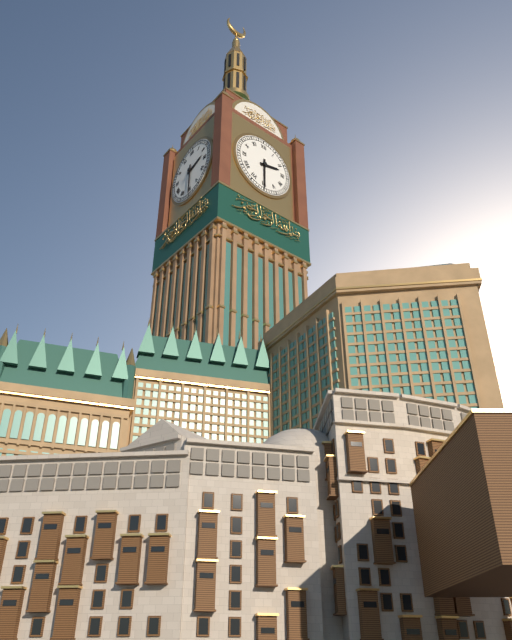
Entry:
2h30
